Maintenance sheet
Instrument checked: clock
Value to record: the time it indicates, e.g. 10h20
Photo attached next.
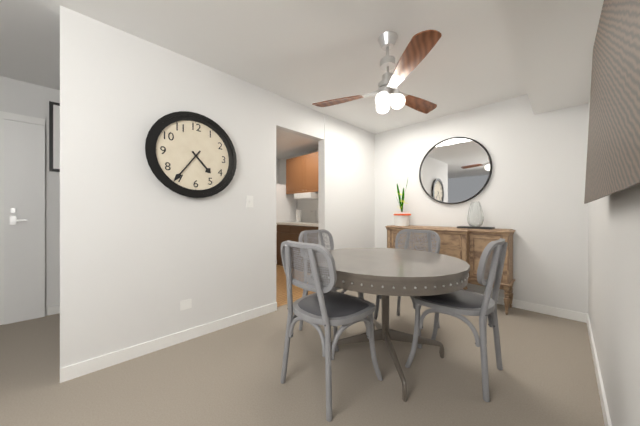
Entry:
4h36
